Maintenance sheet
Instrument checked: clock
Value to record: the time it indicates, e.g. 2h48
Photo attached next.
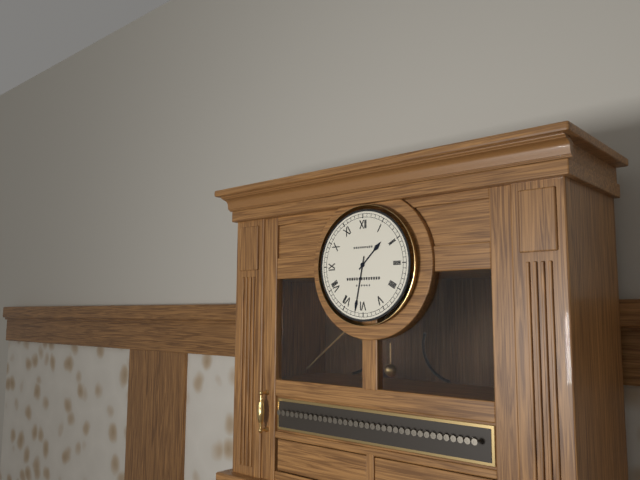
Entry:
1h32
